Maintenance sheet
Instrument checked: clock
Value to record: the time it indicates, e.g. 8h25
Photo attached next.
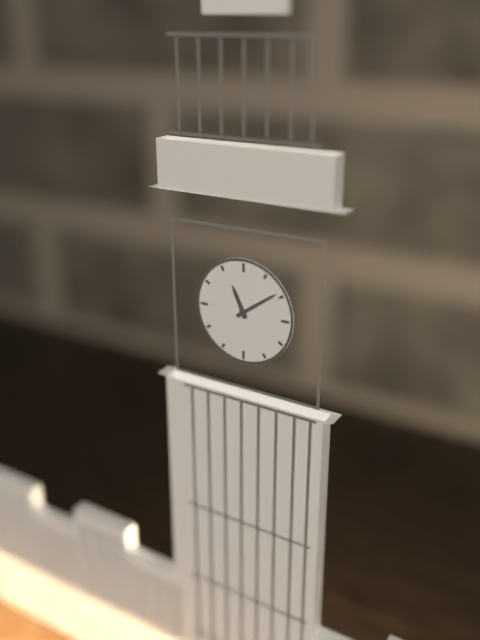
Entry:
11h09
